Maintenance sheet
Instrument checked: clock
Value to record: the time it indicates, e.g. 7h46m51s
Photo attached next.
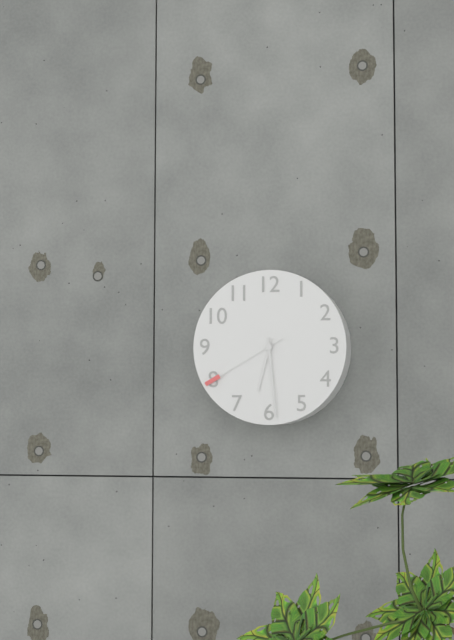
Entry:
6h29m40s
